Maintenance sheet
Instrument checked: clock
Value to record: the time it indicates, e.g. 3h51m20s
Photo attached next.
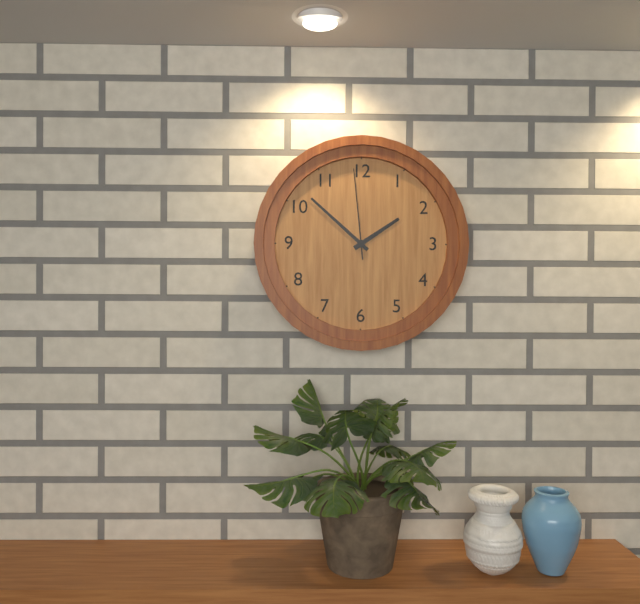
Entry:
1h52m59s
